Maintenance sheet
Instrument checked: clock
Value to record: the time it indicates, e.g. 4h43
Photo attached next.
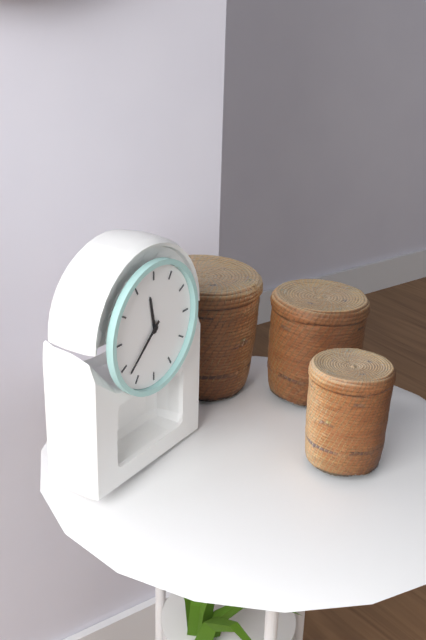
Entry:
11h38
